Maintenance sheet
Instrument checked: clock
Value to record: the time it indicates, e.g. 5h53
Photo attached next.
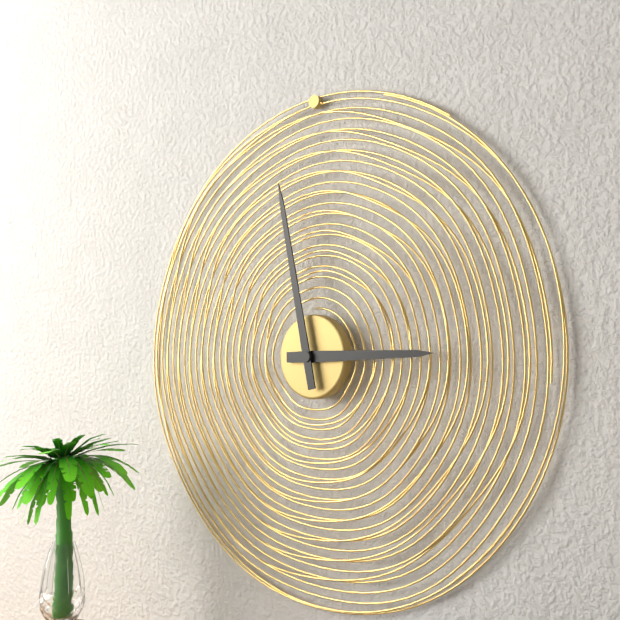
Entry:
2h58
